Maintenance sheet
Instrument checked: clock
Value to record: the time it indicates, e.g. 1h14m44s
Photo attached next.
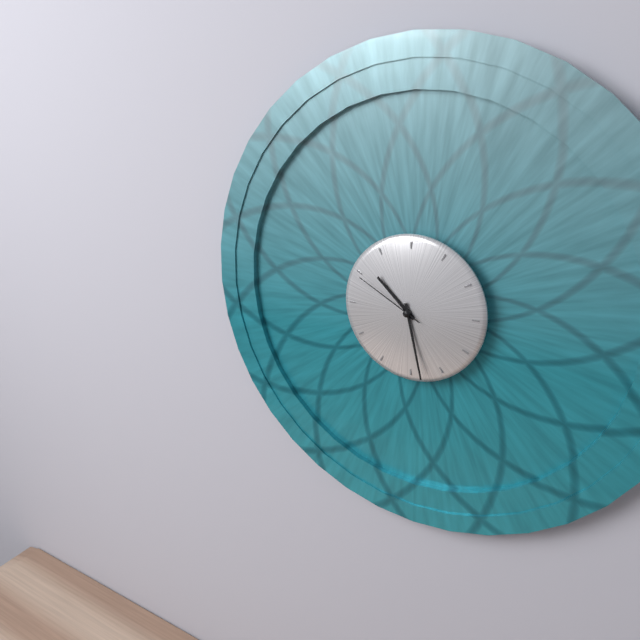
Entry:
10h28m50s
